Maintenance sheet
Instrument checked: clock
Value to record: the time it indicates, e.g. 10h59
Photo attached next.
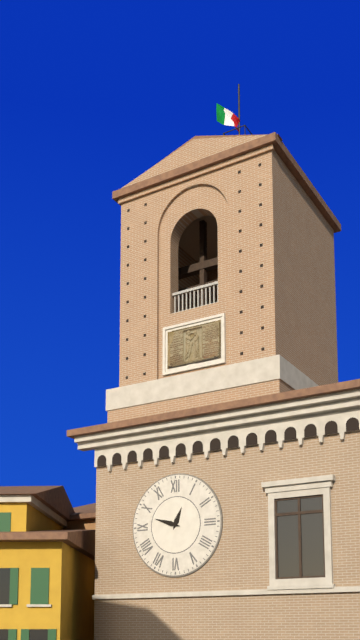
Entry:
12h48
